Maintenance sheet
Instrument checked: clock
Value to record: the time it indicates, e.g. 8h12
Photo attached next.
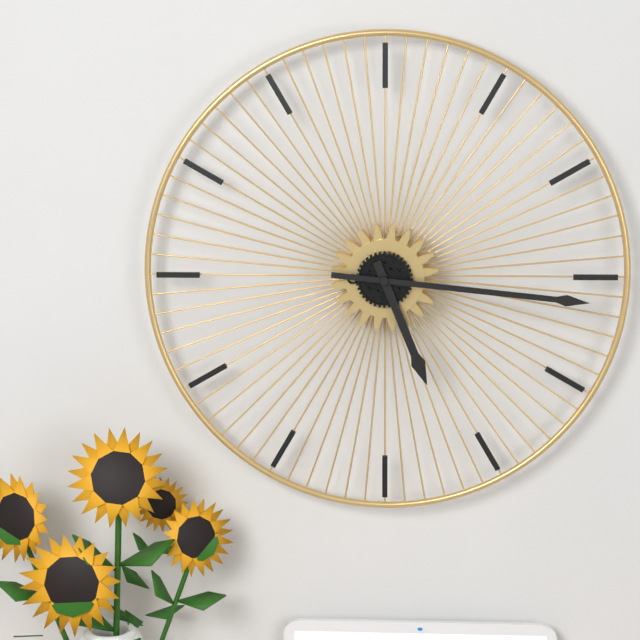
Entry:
5h16
